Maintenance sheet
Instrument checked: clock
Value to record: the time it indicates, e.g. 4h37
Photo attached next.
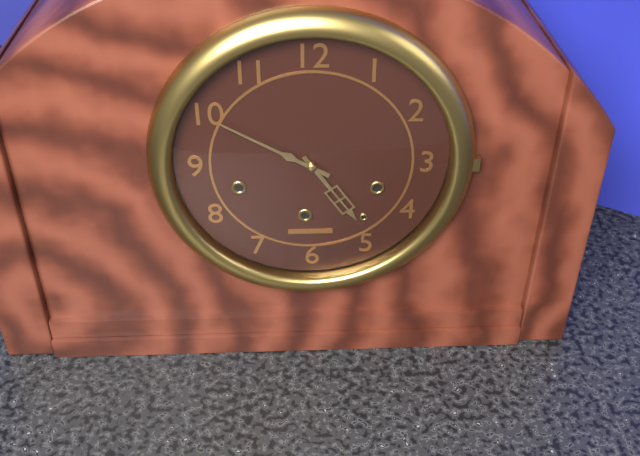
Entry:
4h50
